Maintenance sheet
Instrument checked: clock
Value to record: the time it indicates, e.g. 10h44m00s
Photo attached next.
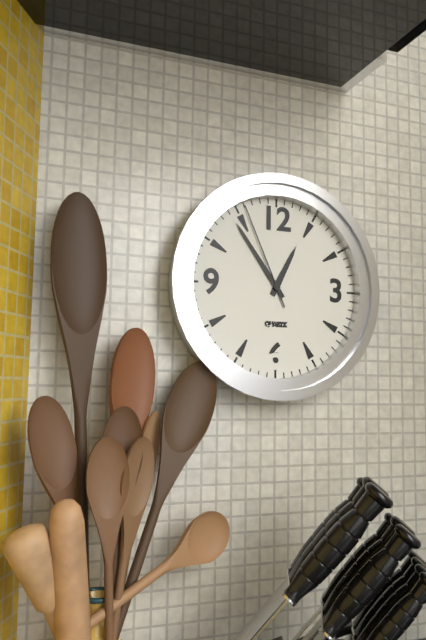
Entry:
12h54m56s
